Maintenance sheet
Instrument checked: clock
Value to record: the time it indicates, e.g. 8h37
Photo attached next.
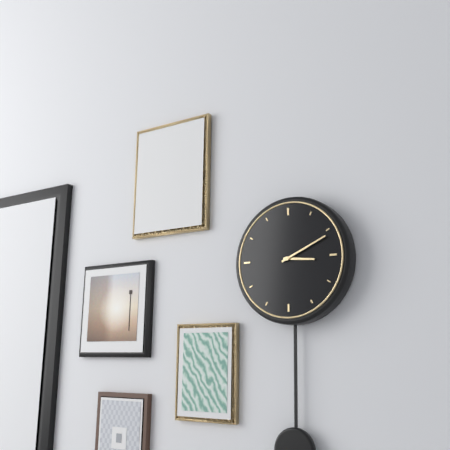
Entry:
3h11
